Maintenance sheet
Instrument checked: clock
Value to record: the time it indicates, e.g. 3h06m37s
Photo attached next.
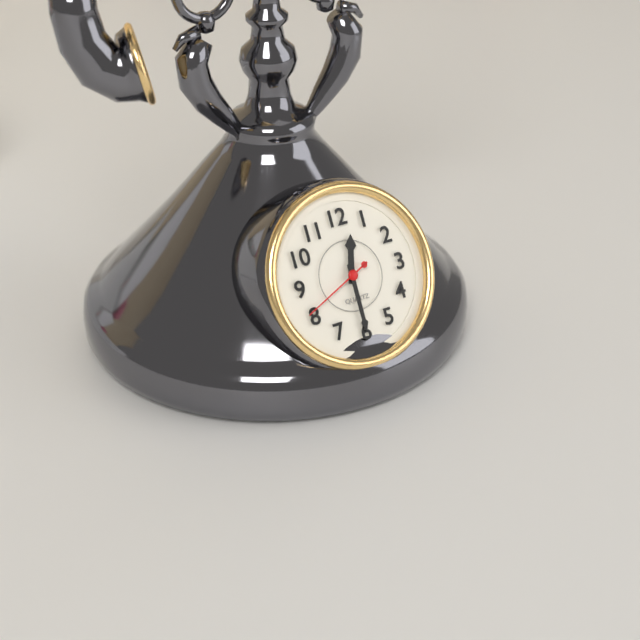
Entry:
12h30m41s
